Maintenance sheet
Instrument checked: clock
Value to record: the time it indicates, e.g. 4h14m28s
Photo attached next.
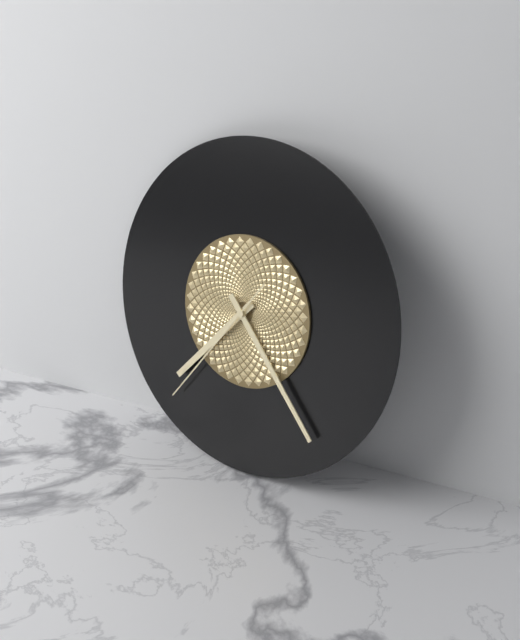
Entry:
7h23m36s
